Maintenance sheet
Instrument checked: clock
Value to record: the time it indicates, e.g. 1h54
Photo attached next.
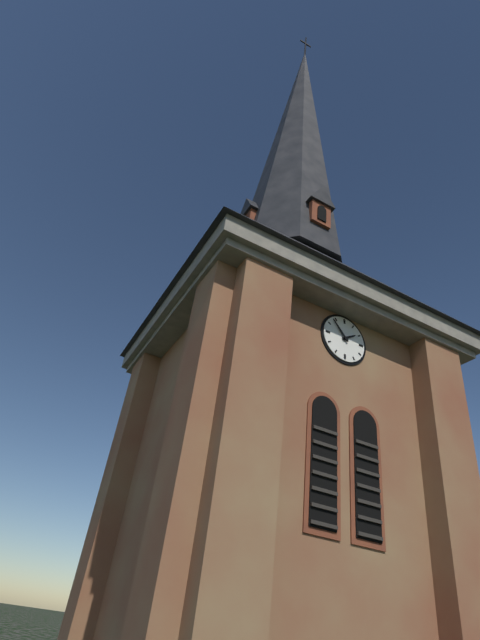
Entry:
1h53
